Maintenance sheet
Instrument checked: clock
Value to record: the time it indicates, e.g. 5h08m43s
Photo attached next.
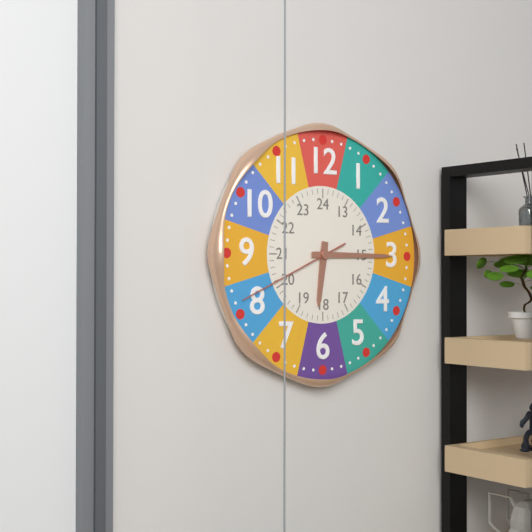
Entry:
6h15m41s
